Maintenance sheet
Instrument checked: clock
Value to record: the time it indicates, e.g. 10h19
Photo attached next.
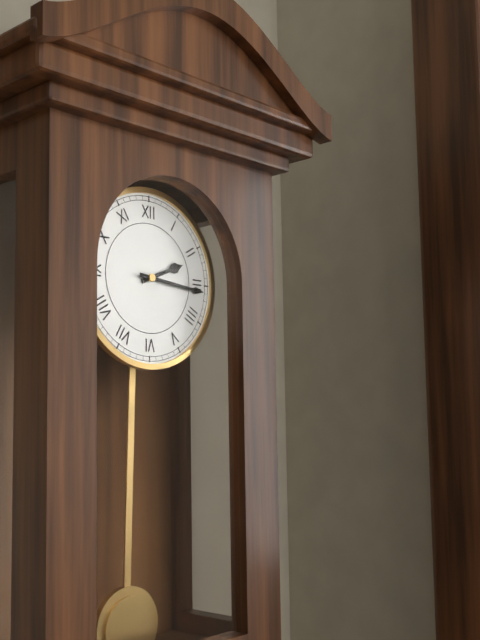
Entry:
2h16
